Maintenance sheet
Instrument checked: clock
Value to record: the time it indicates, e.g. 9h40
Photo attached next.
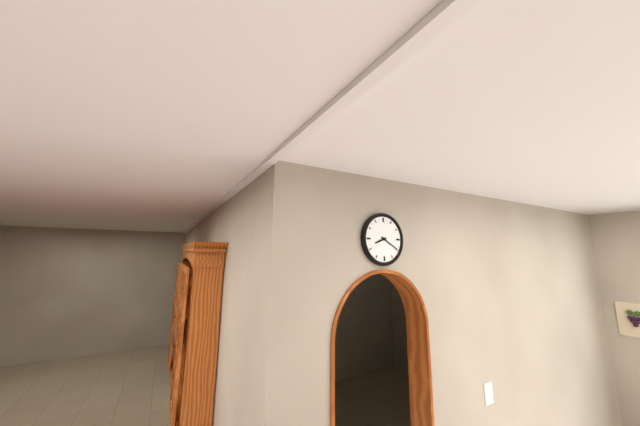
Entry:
8h20
